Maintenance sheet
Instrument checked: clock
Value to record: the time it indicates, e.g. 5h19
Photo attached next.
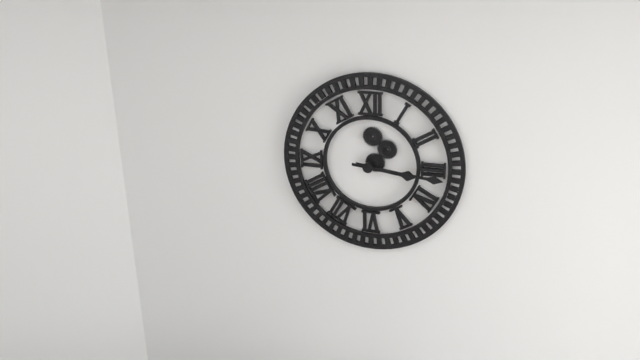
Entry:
3h16
